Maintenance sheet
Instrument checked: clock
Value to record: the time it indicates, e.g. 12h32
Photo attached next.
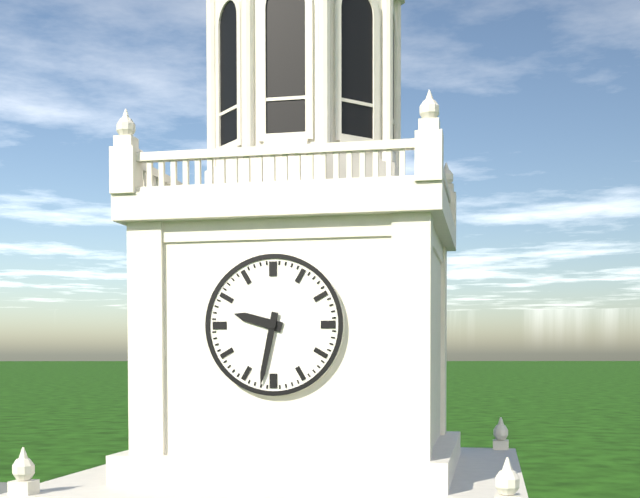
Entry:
9h32
